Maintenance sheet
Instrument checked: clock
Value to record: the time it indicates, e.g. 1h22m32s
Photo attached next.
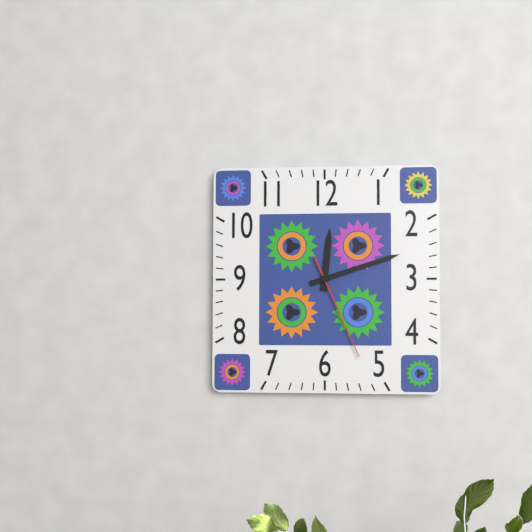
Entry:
12h12m26s
